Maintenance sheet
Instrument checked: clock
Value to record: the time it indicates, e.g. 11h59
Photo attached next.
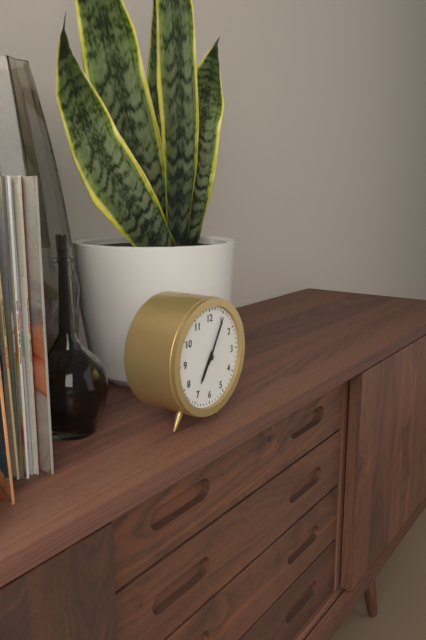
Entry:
7h05
